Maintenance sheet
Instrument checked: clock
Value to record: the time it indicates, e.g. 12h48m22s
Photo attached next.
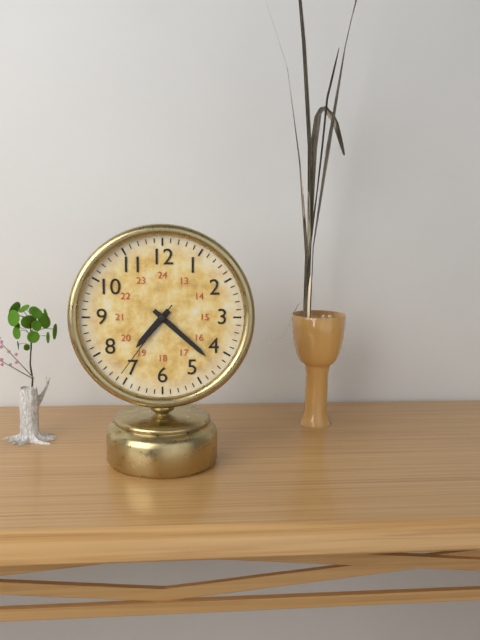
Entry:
7h22m36s
